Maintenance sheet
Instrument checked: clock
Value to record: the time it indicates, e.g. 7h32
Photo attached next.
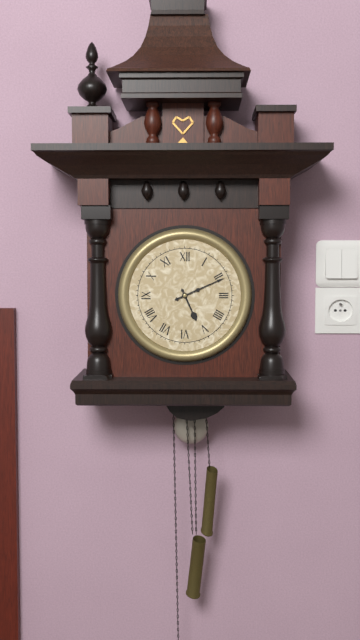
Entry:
5h11
